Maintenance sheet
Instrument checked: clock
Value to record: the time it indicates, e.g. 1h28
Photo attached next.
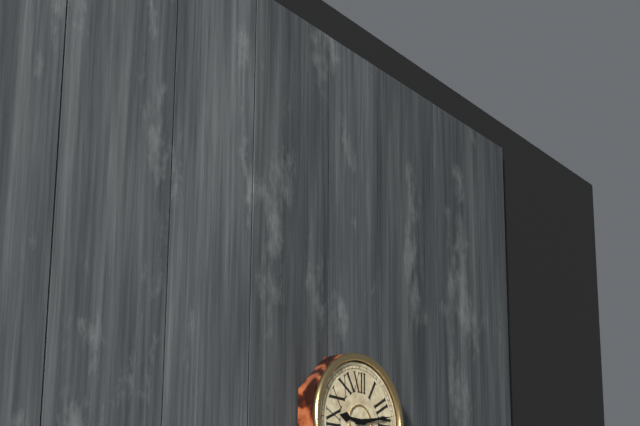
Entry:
9h13
